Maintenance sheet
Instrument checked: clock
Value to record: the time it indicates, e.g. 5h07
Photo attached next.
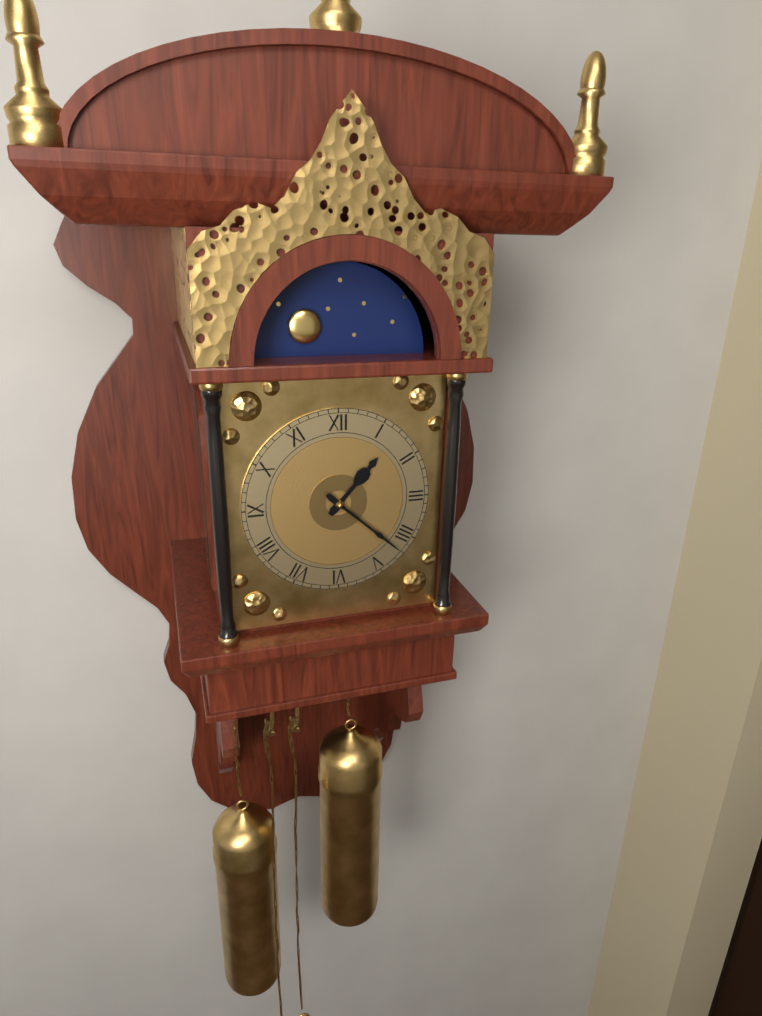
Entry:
1h22
